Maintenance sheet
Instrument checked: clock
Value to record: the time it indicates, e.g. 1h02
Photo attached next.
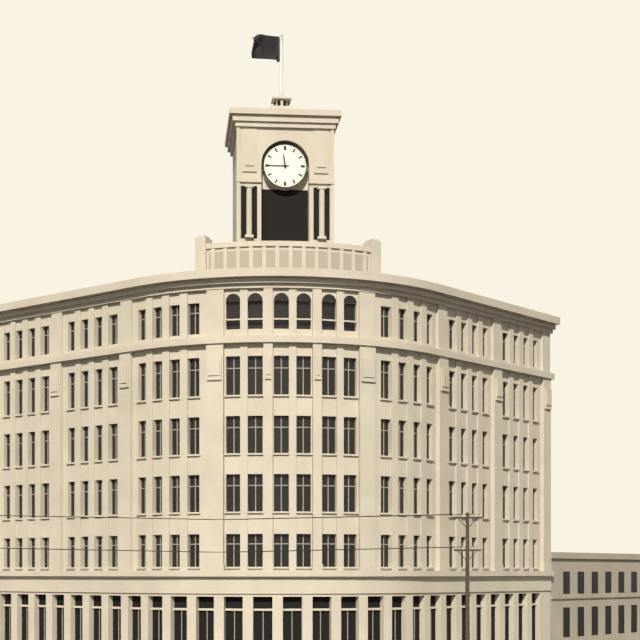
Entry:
11h45
